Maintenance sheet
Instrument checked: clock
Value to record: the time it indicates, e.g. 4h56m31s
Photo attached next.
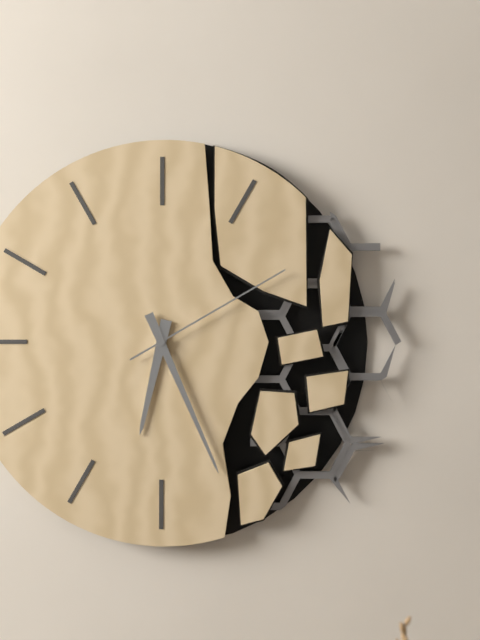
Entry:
6h26m10s
